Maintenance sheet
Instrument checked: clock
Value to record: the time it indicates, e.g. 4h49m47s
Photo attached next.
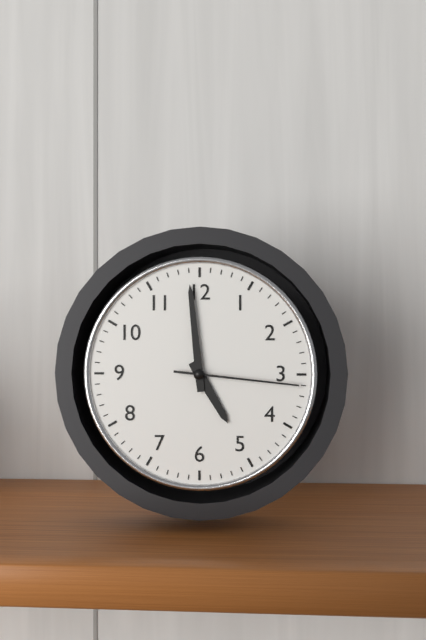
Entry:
4h59m16s
